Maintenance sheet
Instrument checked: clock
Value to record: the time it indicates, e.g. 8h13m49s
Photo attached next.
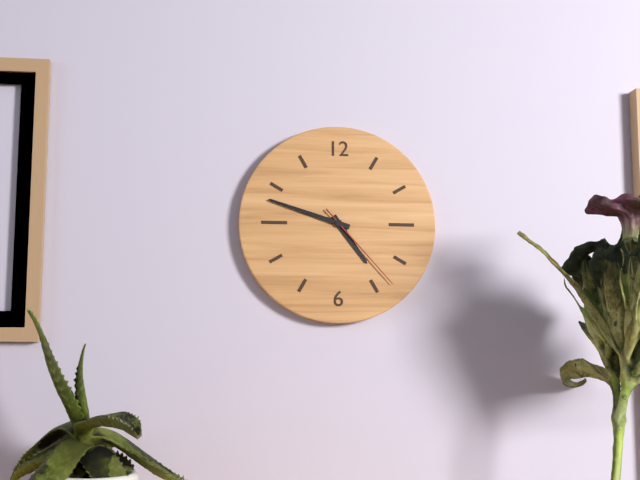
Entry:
4h48m23s
